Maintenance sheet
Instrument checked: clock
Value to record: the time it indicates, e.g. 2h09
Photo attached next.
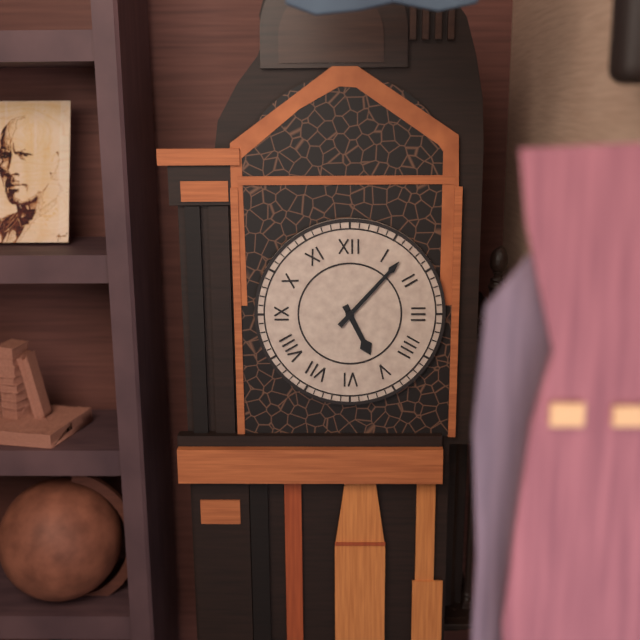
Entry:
5h07
